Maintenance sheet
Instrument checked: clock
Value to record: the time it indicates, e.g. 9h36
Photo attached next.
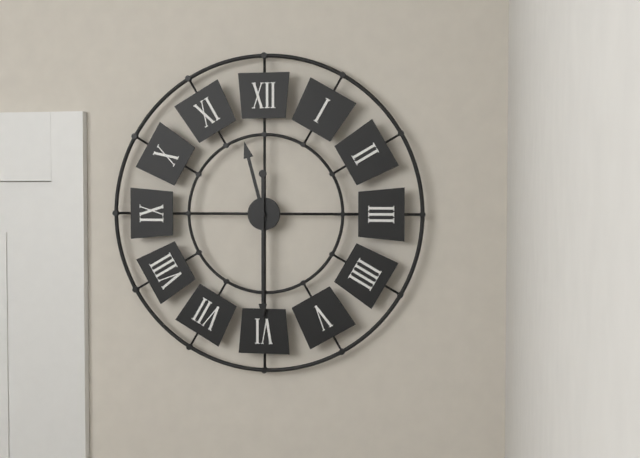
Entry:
11h30
